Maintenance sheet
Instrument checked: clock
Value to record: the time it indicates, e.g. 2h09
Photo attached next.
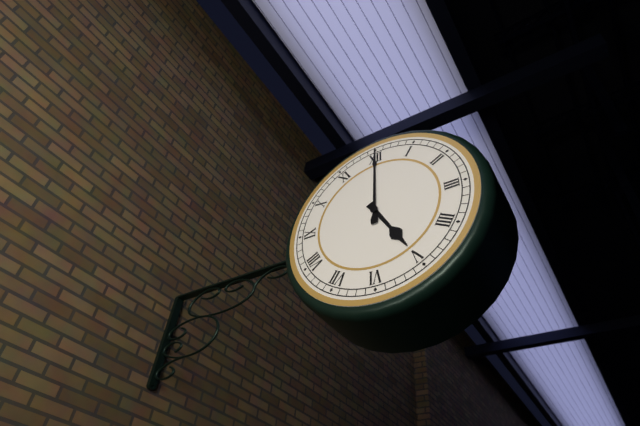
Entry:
5h00
